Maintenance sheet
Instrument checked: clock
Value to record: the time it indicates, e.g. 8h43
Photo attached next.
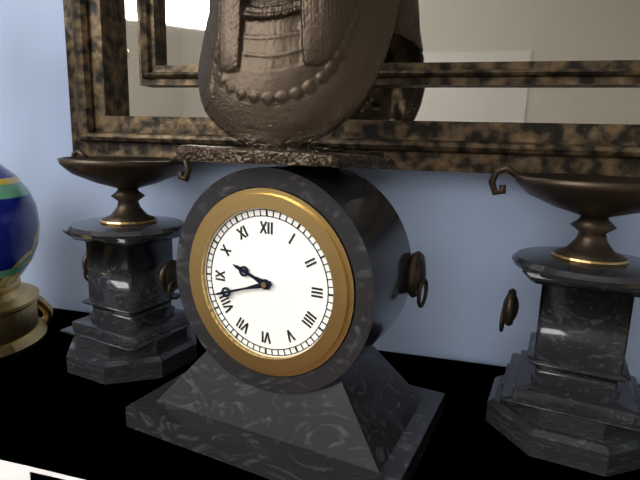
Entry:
9h42
